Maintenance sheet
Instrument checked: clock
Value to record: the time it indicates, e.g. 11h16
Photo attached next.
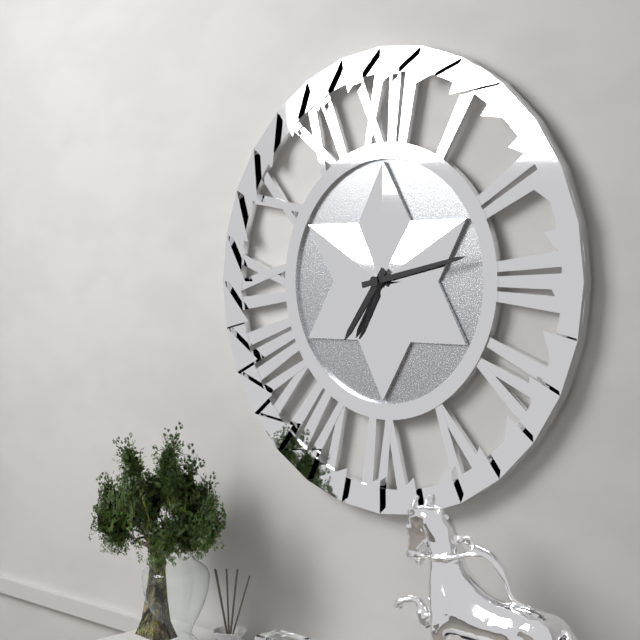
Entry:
7h13
